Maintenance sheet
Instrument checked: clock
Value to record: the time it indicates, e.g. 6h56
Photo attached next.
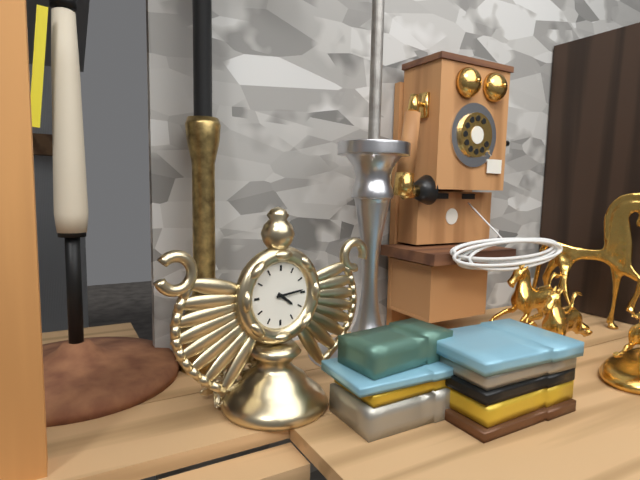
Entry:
4h14
